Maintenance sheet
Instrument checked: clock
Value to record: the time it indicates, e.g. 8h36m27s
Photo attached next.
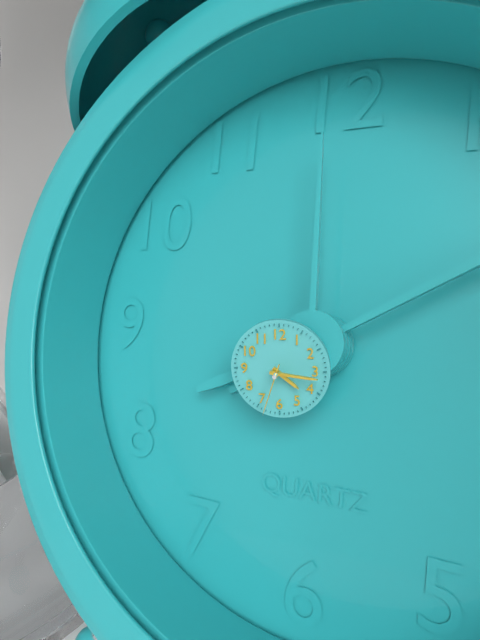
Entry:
4h16m33s
